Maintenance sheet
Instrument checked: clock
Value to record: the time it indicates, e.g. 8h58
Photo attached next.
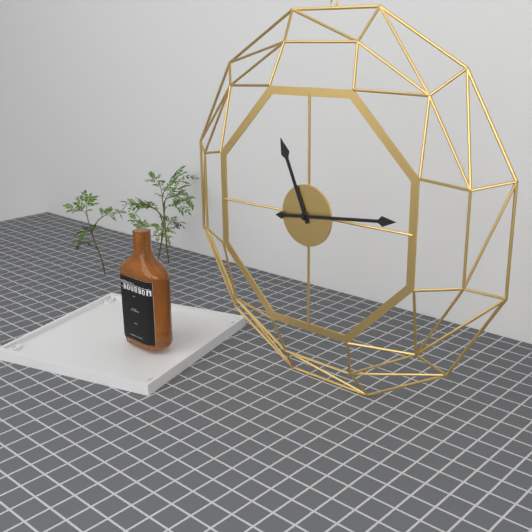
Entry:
11h14
